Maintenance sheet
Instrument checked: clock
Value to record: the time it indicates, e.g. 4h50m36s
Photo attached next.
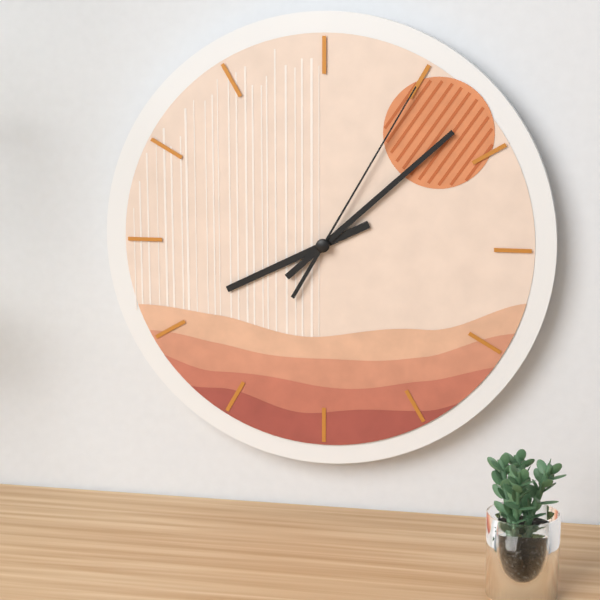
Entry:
8h08m05s
